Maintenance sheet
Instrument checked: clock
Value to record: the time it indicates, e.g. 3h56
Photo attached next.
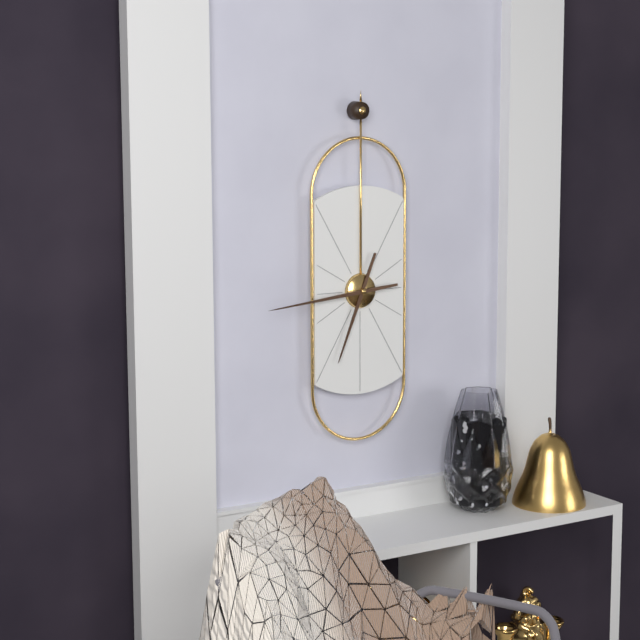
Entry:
6h44
